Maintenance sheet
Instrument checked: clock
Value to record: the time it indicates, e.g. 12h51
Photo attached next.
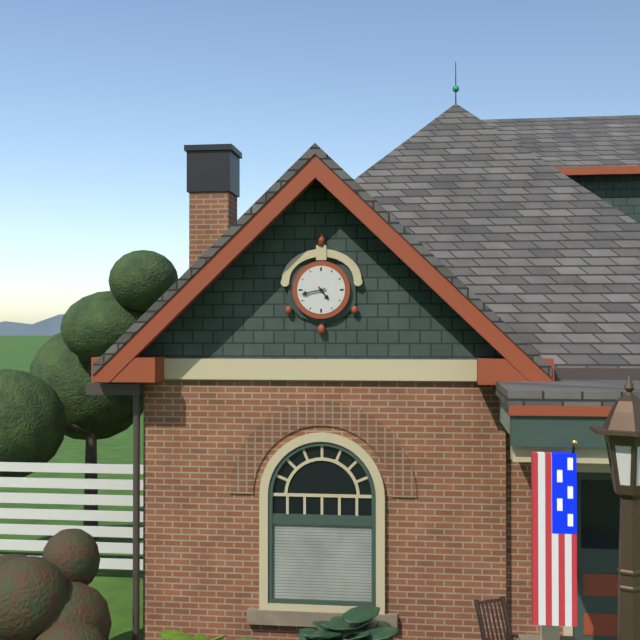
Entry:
4h43
